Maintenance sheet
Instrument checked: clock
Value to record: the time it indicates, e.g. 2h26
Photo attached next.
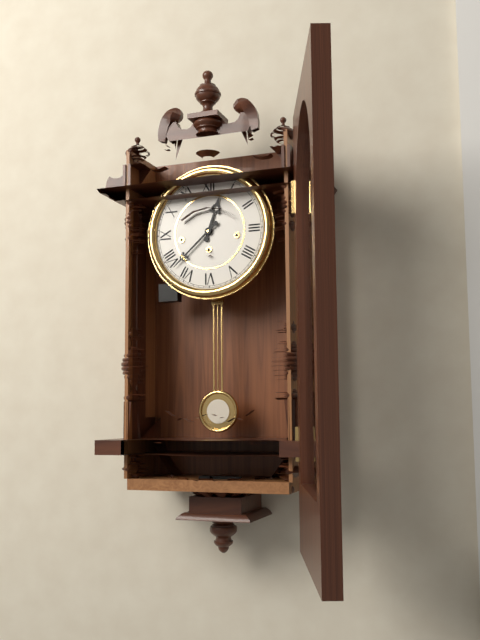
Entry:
12h38
